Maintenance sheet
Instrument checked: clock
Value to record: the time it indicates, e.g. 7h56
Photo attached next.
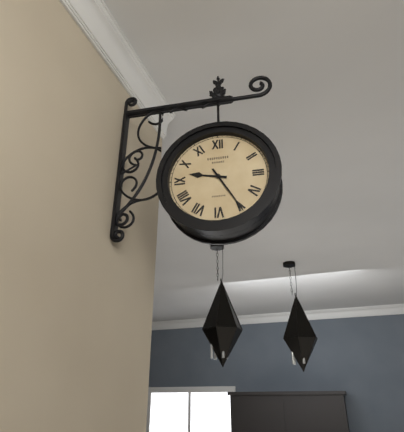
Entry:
9h25
